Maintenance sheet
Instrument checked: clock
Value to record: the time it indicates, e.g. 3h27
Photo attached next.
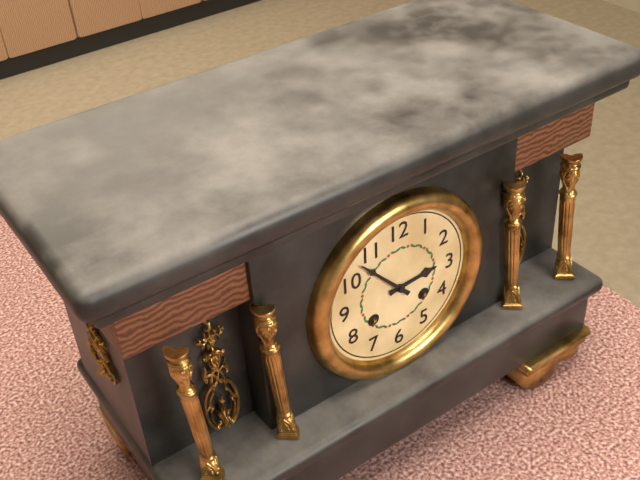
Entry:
2h53
